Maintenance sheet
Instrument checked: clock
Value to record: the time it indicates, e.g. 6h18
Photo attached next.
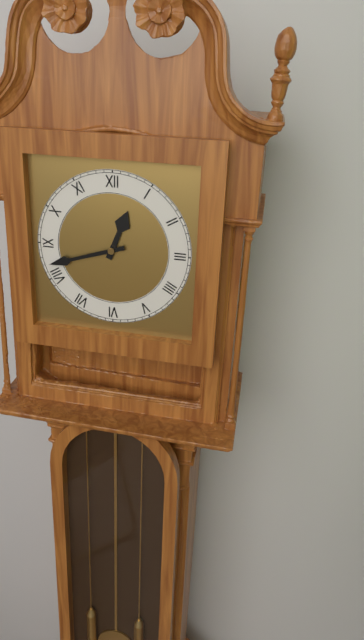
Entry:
12h42
